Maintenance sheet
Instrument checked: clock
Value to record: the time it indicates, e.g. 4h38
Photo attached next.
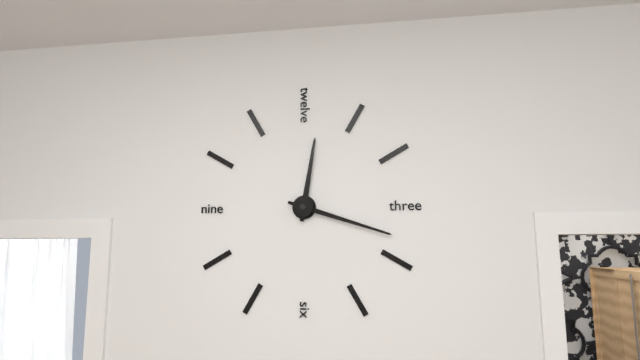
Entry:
12h18
